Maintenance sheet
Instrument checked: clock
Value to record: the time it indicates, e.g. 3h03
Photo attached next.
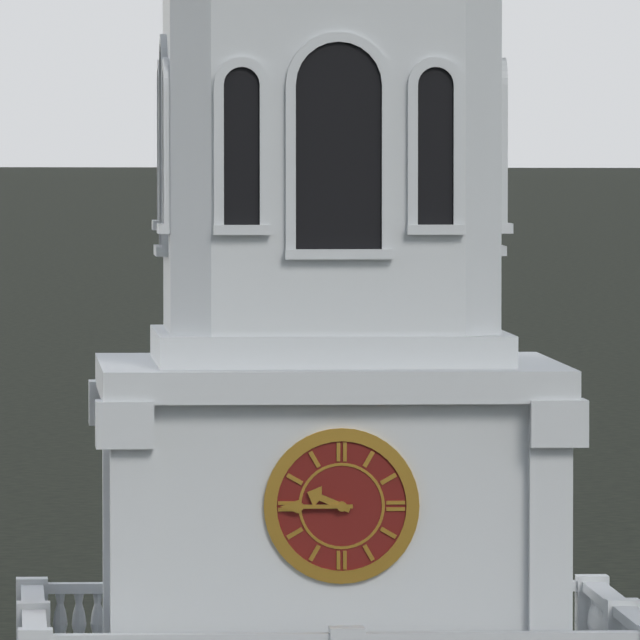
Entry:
9h45
